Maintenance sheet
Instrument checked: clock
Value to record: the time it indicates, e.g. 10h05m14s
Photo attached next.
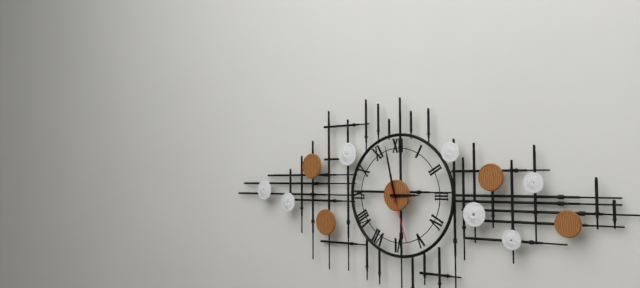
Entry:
2h58m27s
